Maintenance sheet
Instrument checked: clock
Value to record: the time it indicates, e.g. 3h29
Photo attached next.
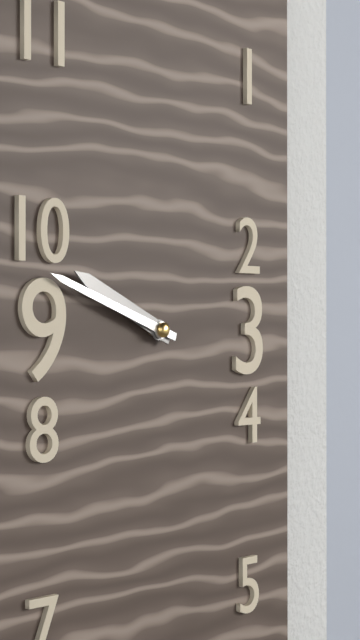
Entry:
9h48
